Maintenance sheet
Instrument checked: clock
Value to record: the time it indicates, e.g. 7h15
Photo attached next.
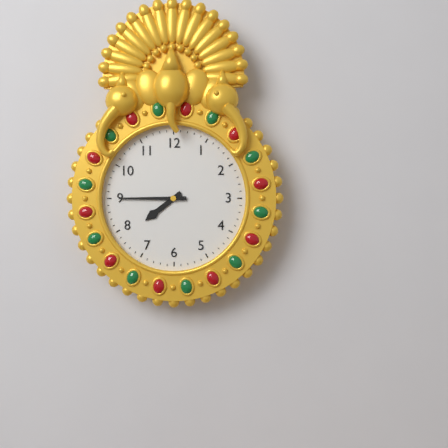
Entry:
7h45
